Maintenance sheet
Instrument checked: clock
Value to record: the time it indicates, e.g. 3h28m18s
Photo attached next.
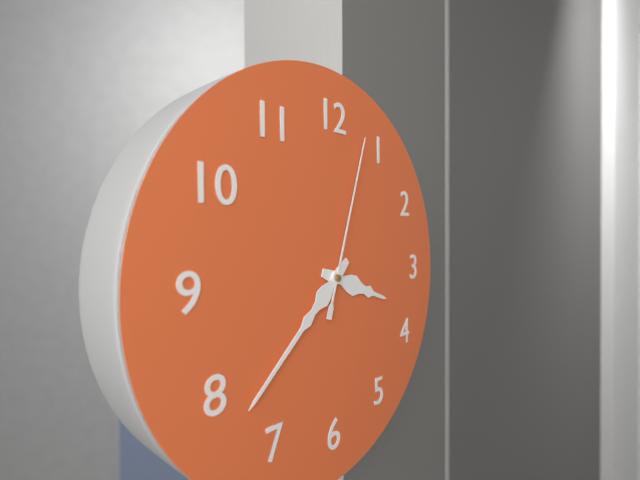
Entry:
3h38m03s
